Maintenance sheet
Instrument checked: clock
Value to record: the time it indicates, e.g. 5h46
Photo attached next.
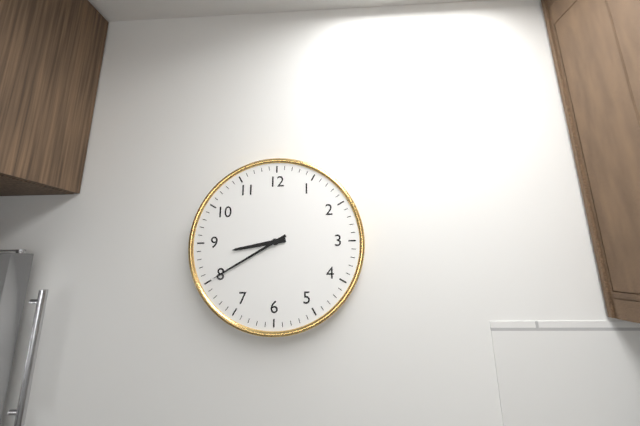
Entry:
8h40
